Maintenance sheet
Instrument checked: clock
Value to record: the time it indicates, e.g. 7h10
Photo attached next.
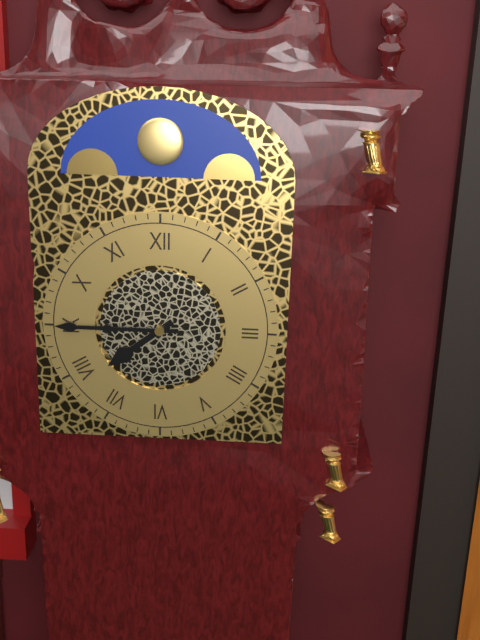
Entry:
7h45
